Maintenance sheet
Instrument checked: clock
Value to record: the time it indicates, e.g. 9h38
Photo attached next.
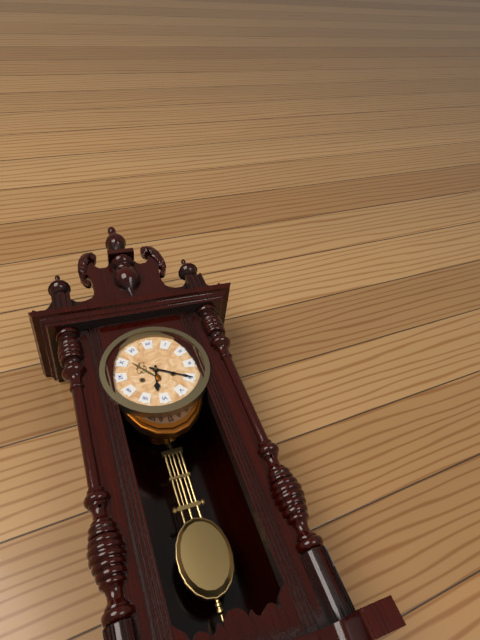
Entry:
6h20
